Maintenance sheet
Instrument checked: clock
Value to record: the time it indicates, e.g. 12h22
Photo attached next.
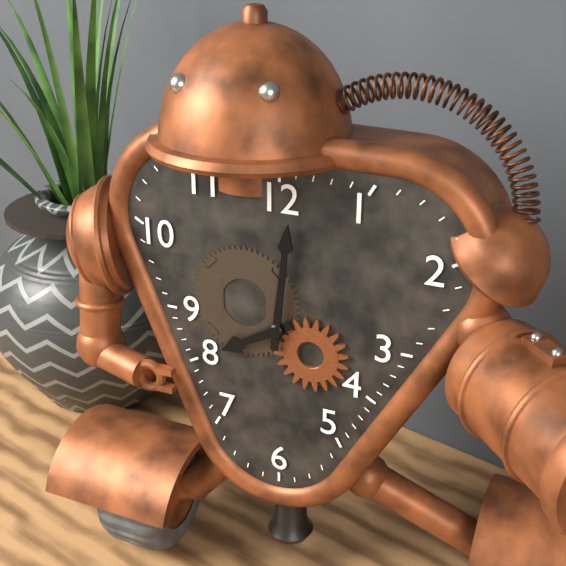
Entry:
8h01
